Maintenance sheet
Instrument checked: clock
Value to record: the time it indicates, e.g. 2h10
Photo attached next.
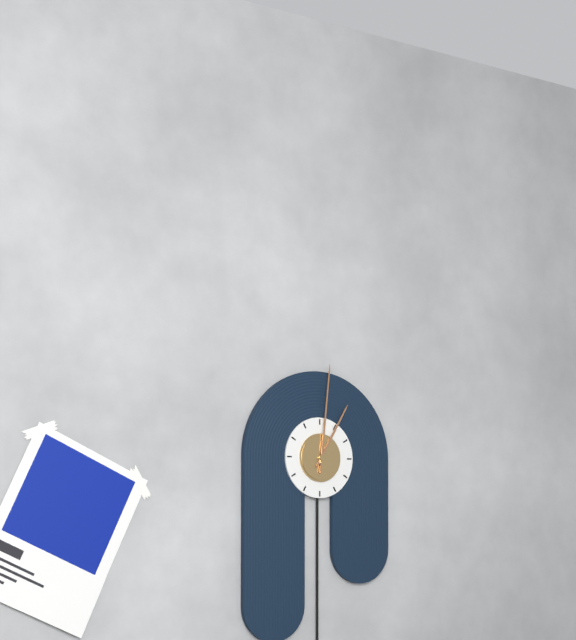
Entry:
1h01
